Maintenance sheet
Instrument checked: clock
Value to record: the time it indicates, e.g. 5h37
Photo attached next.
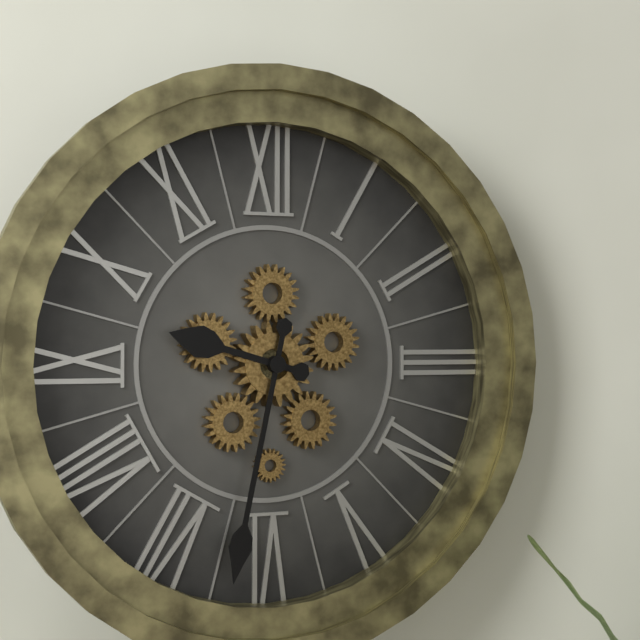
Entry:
9h32
